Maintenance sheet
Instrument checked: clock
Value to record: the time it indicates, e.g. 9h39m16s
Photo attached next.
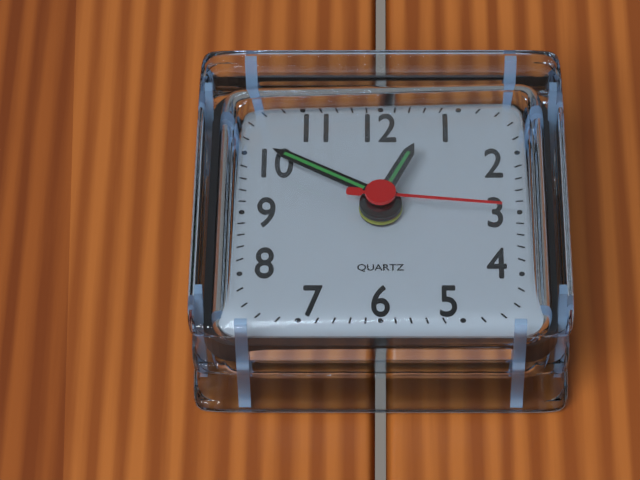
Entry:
12h50m16s
